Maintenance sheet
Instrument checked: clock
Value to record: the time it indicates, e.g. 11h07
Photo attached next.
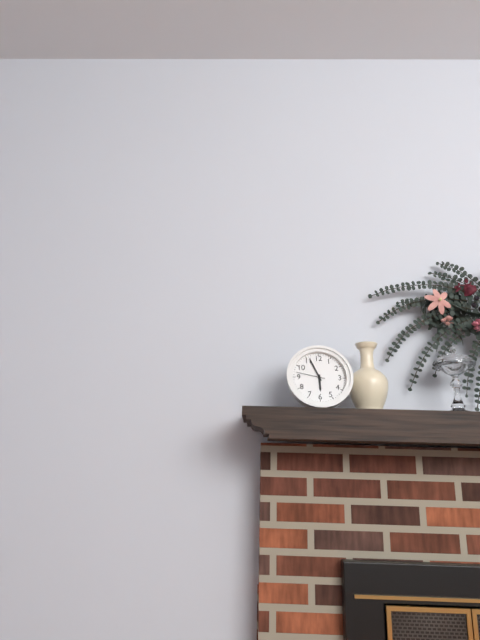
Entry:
5h56
